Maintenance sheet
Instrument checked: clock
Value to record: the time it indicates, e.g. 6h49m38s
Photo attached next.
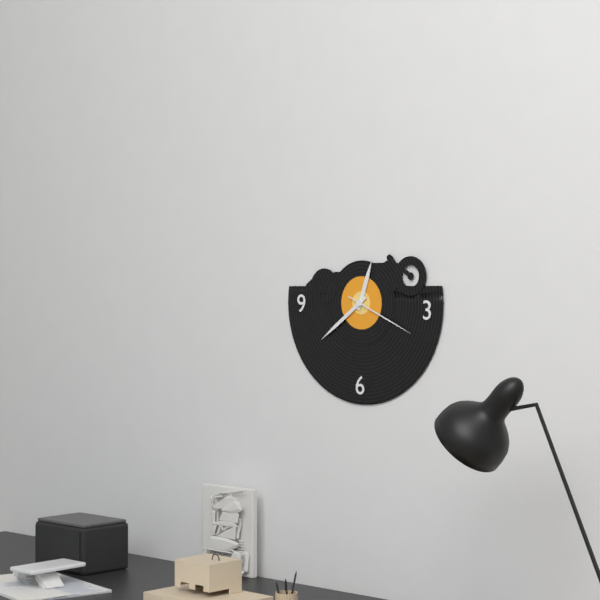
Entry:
12h39m19s
